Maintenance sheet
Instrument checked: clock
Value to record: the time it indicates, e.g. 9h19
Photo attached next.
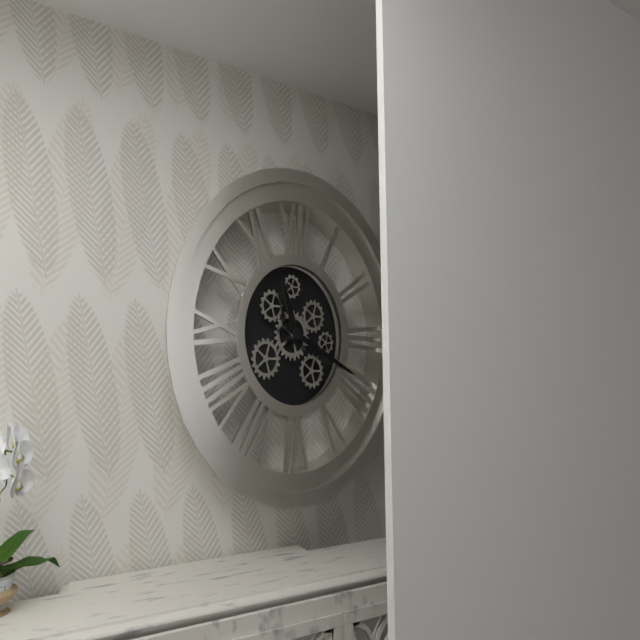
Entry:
11h19
